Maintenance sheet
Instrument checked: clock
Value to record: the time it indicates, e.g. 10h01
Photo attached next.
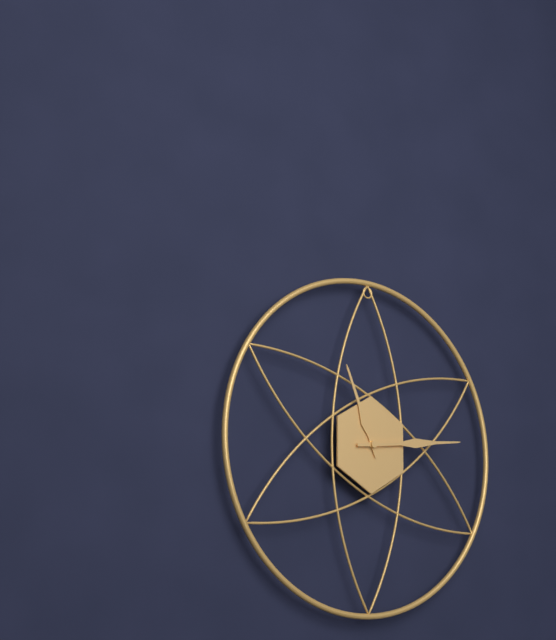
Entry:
11h14
